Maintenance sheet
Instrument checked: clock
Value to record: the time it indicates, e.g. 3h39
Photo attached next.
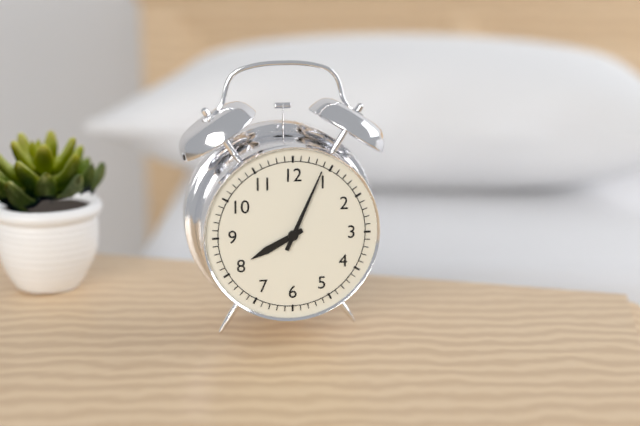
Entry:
8h04
